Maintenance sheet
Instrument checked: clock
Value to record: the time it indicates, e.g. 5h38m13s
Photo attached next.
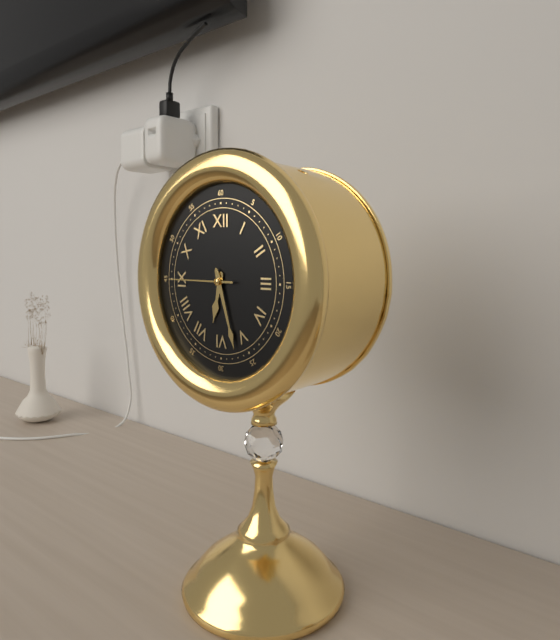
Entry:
6h27m45s
